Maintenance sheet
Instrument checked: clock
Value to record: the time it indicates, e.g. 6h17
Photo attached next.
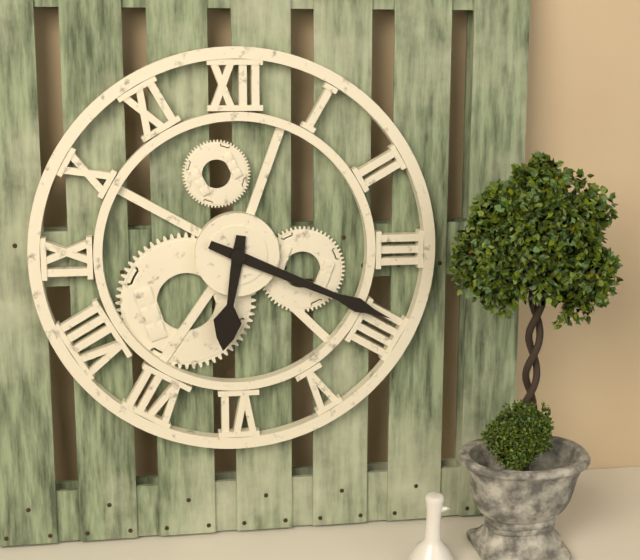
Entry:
6h19
